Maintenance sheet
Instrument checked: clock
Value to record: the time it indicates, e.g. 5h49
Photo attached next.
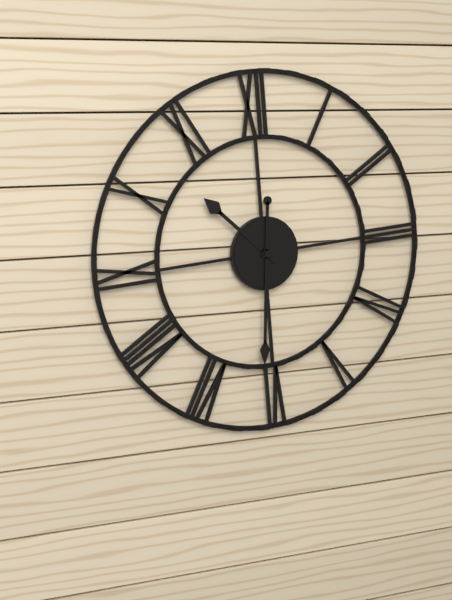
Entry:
10h31
